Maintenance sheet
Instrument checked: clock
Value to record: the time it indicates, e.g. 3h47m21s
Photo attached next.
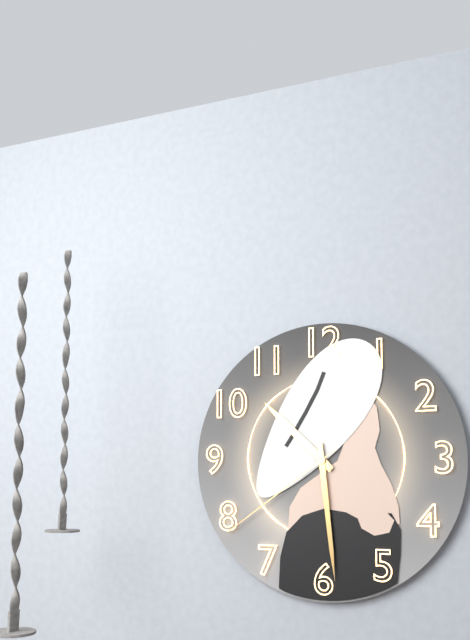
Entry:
10h29m39s
